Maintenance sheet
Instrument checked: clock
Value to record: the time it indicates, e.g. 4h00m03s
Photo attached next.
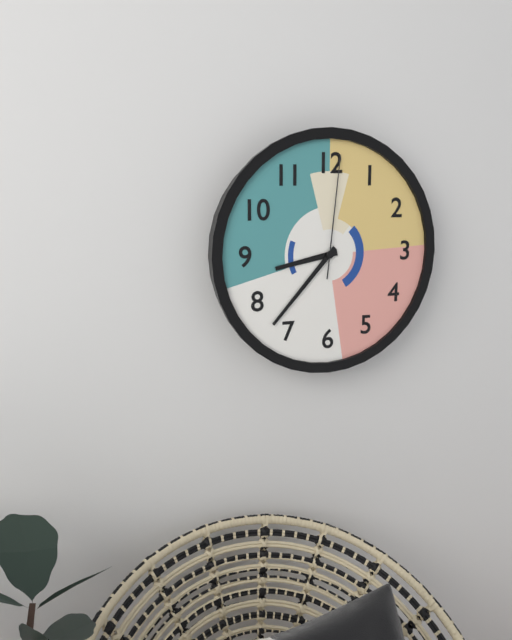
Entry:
8h37m01s
